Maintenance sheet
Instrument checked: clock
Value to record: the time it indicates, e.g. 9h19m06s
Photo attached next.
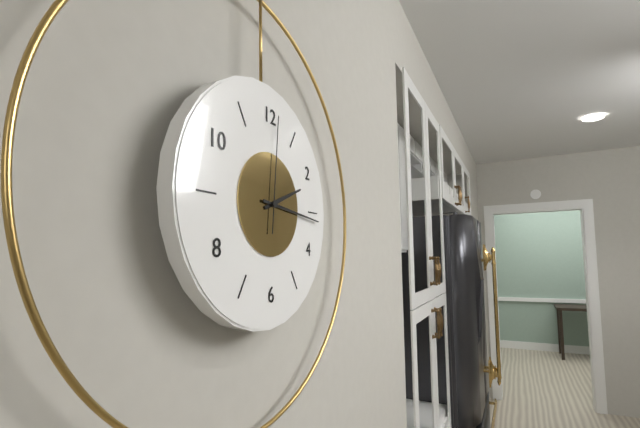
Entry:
2h16m01s
